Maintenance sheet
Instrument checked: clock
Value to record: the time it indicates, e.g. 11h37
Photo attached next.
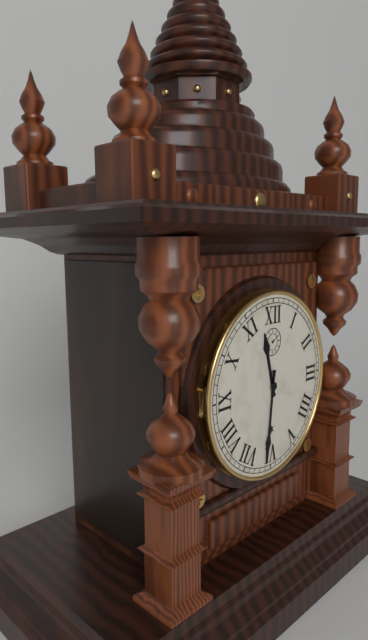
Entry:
11h31
